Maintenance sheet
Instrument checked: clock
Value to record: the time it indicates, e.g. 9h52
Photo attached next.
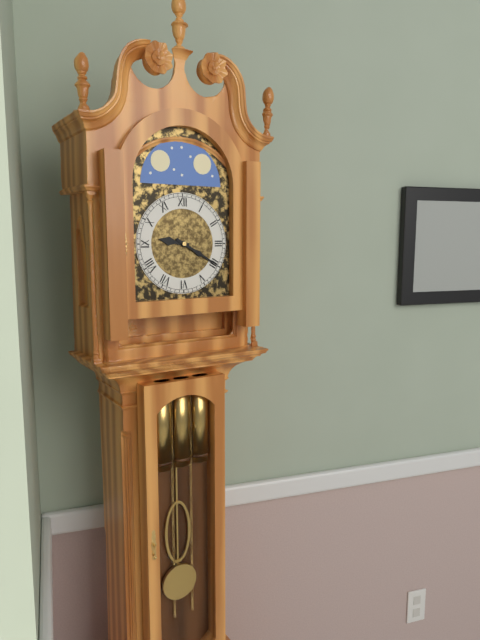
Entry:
9h20
